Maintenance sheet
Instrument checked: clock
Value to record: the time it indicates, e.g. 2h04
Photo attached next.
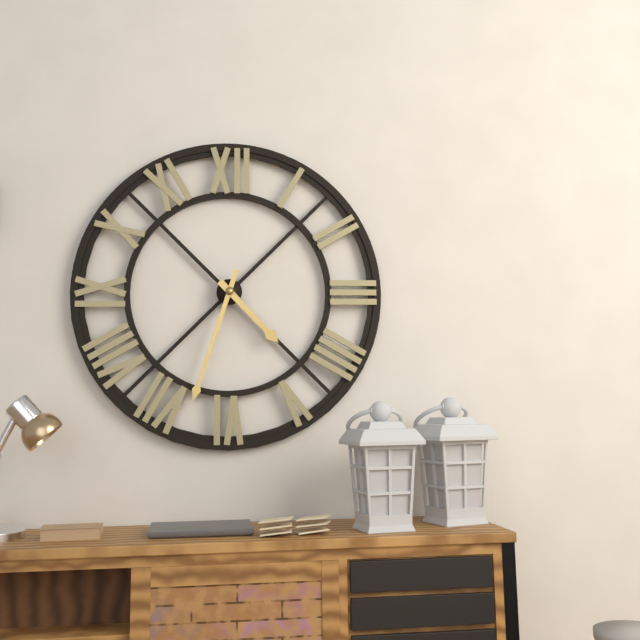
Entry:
4h33
